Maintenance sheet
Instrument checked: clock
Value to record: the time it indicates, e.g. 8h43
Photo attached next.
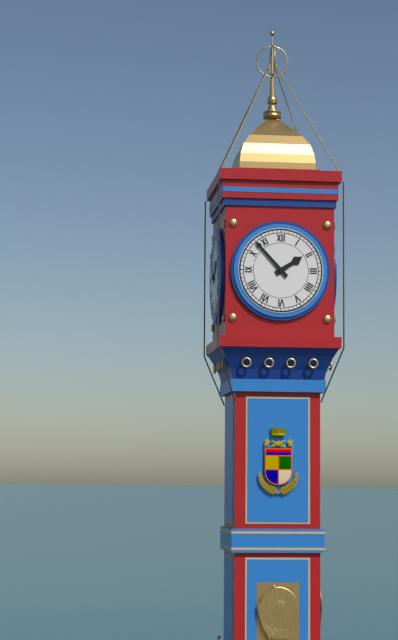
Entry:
1h53
